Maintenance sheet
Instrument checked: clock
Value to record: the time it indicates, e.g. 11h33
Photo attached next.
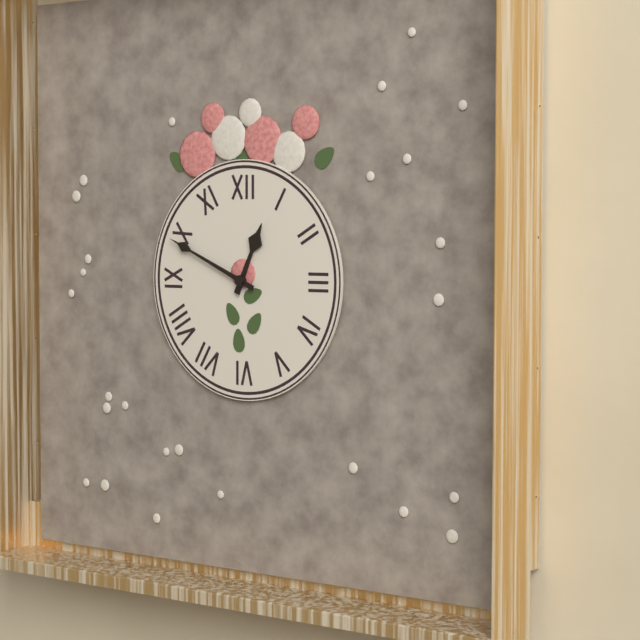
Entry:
12h49
